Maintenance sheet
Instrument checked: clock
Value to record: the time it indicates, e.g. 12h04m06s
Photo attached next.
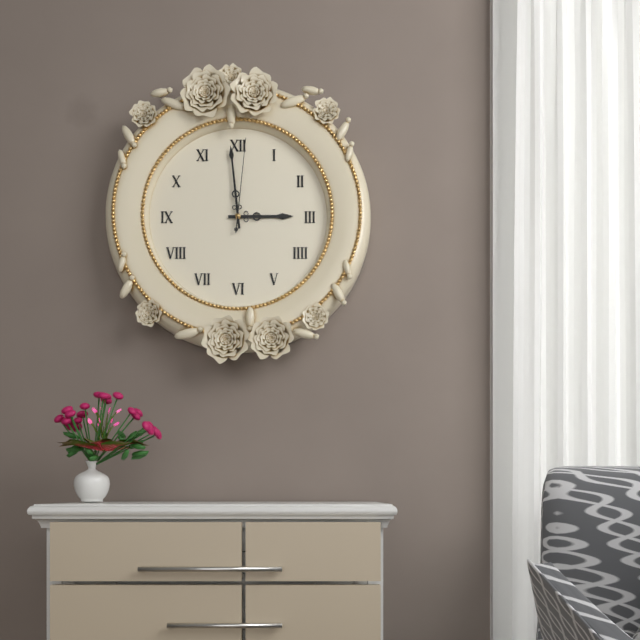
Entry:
2h59m01s
